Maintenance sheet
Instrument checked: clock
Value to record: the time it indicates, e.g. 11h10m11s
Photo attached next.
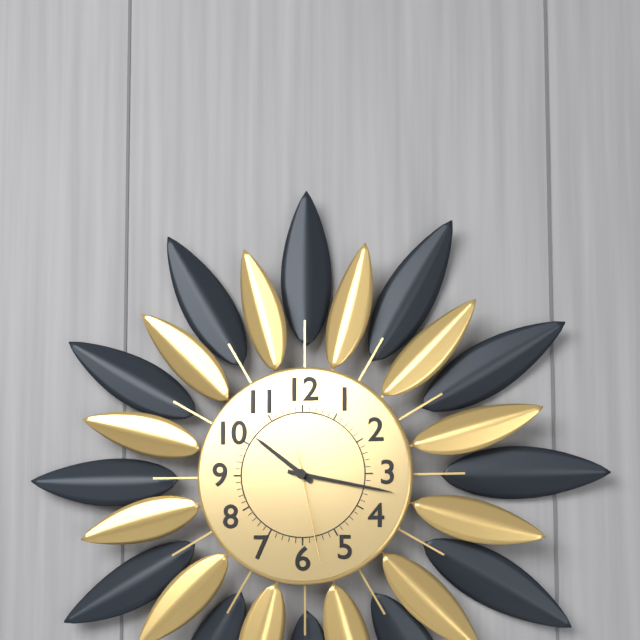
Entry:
10h17m28s
